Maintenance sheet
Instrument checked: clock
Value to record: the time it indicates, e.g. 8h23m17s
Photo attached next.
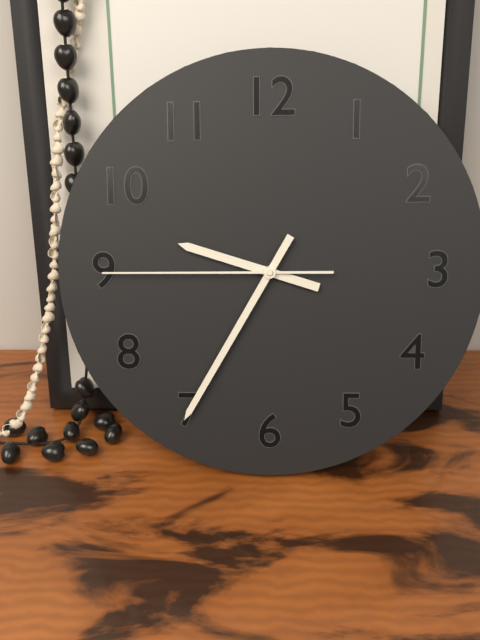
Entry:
9h35m45s
